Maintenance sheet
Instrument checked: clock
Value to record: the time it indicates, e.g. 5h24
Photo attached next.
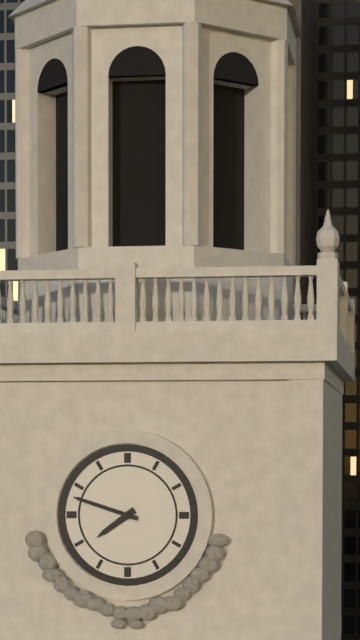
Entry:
7h48
